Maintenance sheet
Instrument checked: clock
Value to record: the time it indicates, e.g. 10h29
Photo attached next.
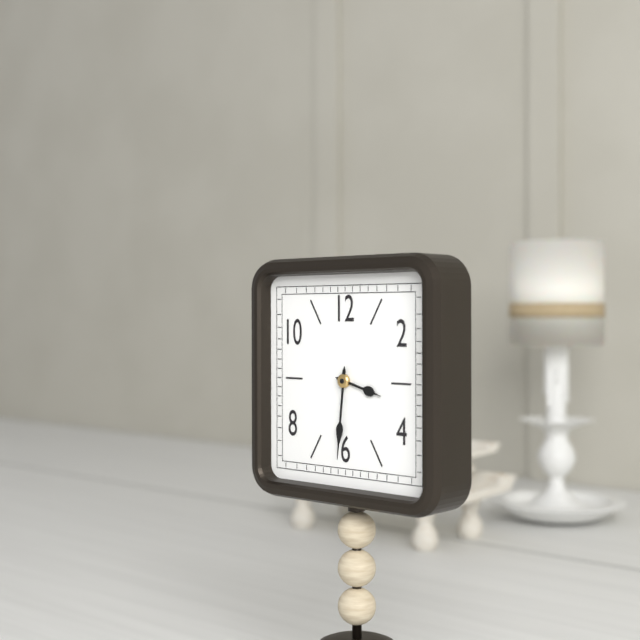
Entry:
3h31
